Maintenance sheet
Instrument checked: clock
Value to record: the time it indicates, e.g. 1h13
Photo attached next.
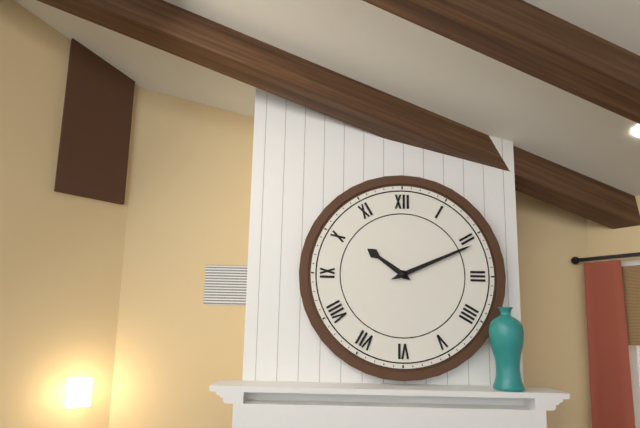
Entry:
10h11
